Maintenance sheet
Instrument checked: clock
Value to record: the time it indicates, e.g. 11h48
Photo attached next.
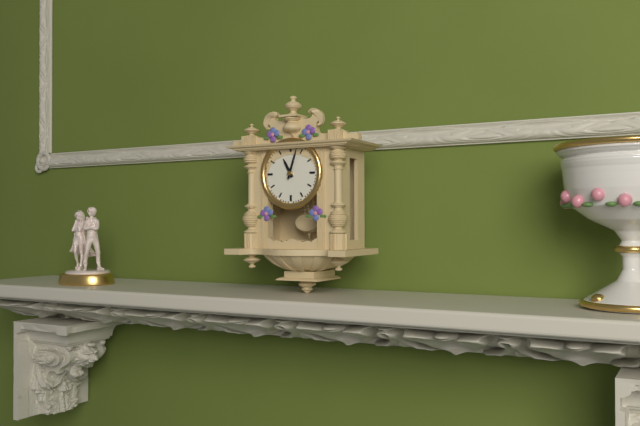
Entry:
11h03
